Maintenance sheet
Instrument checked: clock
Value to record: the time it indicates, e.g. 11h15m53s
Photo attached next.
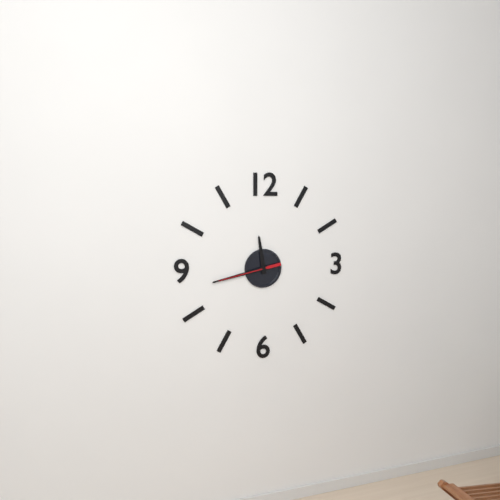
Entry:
11h43m43s
